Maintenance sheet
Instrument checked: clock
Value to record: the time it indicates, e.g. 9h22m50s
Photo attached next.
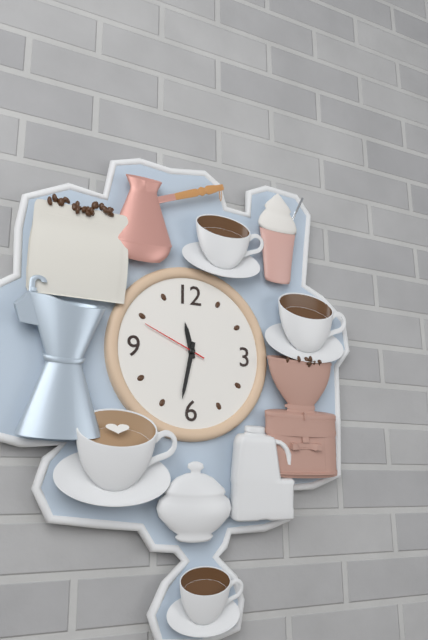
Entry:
11h32m49s
